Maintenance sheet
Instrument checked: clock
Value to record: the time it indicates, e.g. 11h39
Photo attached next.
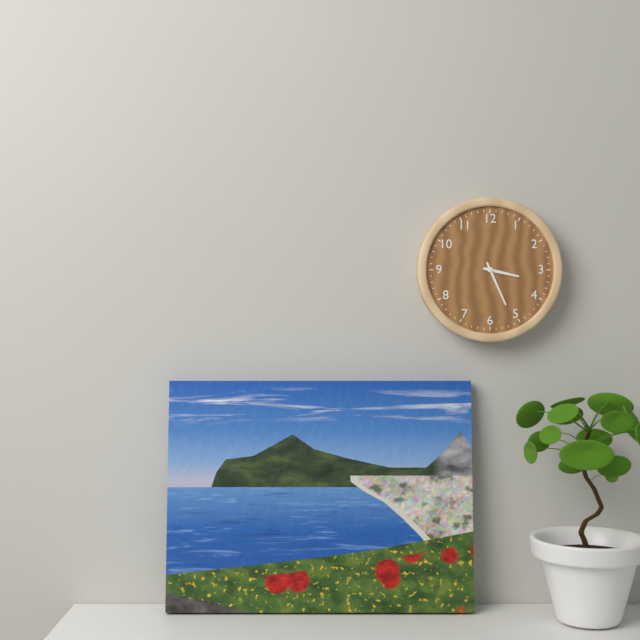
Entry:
3h26
